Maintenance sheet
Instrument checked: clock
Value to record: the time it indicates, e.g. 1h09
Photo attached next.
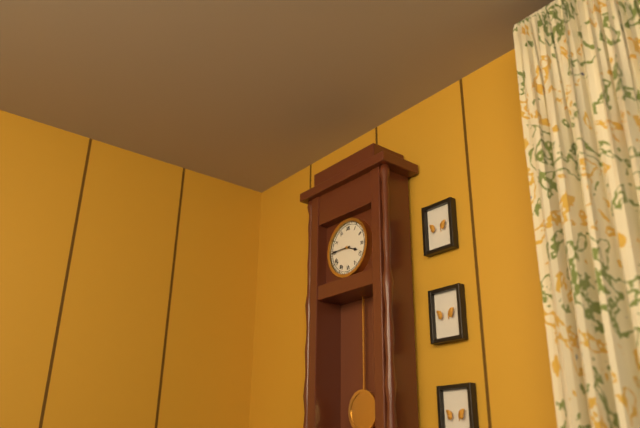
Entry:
3h45
